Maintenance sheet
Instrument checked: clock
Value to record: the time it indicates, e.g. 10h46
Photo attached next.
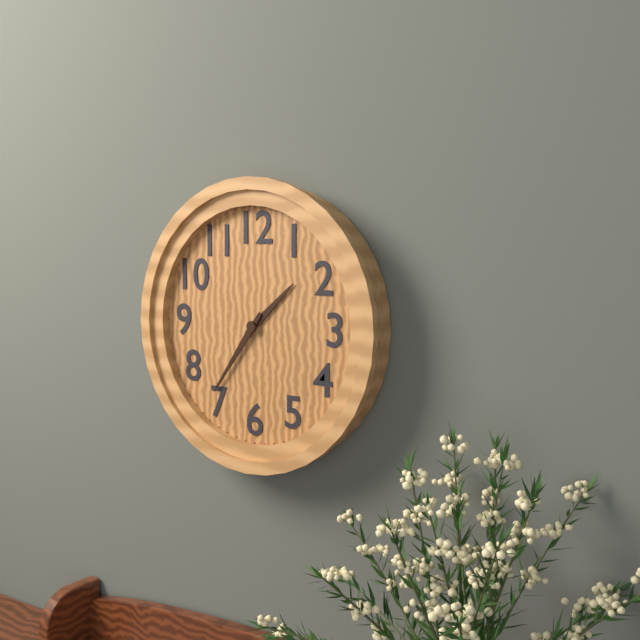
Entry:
1h36
